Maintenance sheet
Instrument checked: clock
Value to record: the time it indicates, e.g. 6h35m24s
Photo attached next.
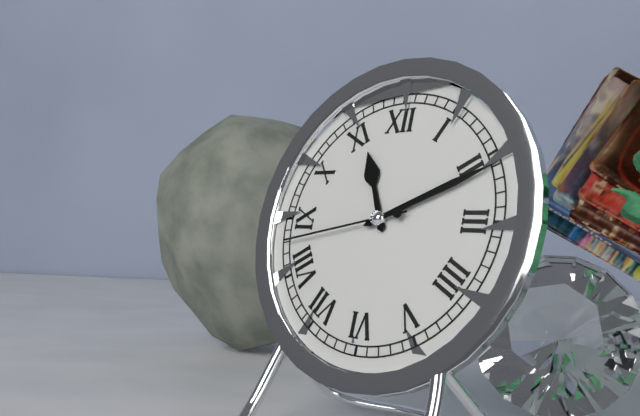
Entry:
11h11m43s
